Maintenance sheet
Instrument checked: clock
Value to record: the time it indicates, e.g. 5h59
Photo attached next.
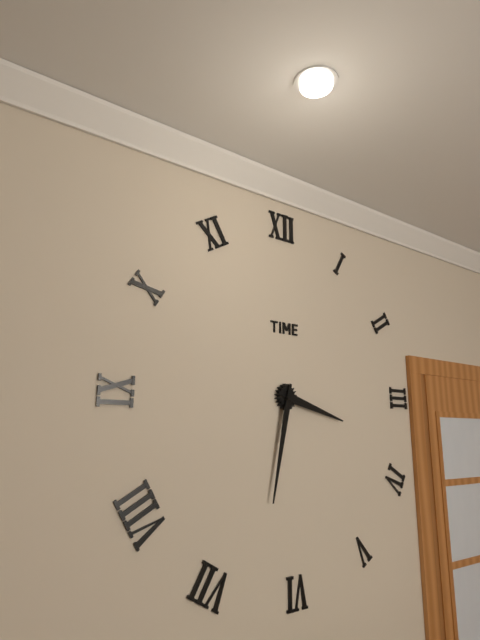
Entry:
3h32
